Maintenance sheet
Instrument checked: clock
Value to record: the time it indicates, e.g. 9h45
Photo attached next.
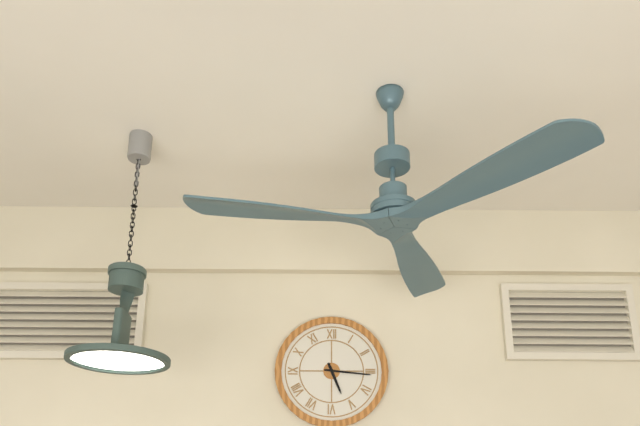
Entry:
5h16
